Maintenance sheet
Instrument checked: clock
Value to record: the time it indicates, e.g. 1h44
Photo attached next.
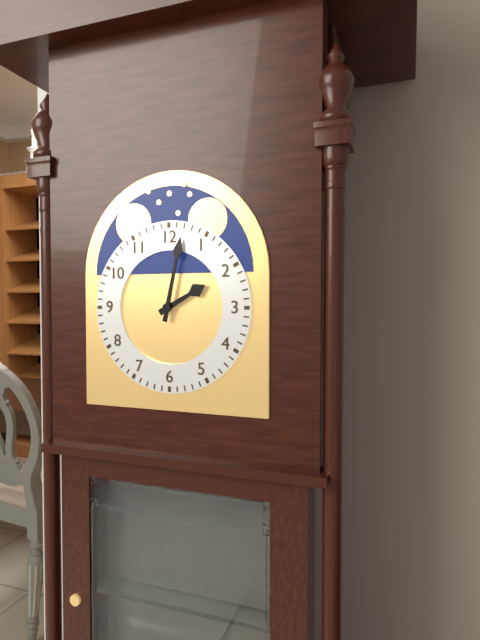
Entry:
2h02
